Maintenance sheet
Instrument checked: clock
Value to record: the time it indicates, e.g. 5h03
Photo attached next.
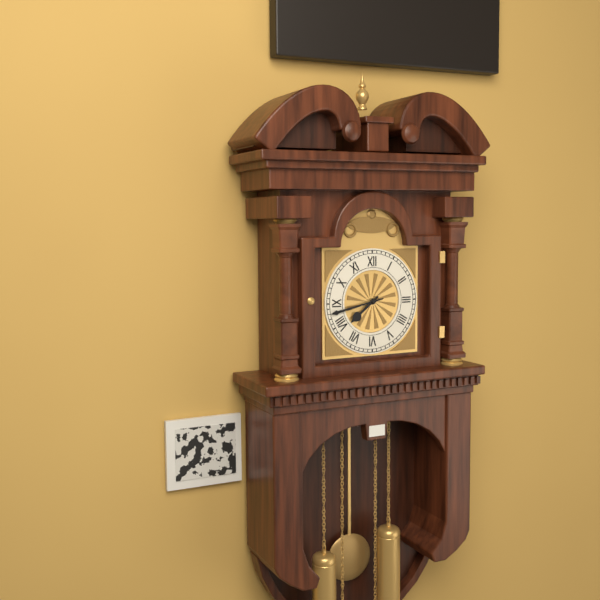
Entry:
7h43
